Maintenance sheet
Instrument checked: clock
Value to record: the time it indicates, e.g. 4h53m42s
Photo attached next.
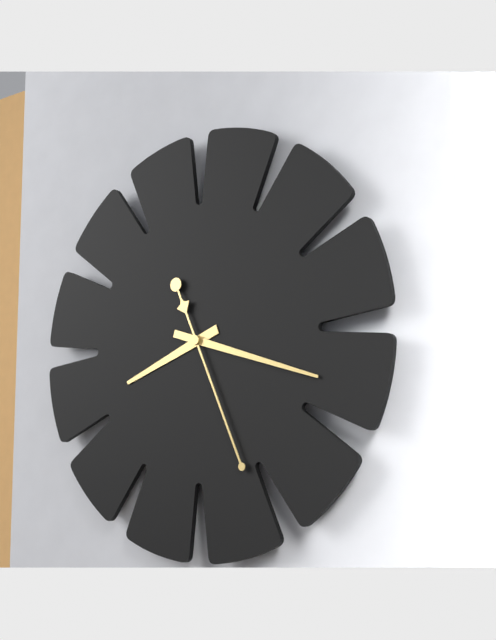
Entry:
8h18m26s
